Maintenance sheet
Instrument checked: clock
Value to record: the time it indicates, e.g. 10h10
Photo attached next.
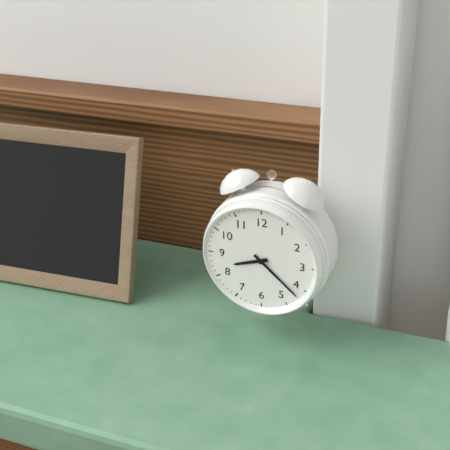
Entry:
8h22
